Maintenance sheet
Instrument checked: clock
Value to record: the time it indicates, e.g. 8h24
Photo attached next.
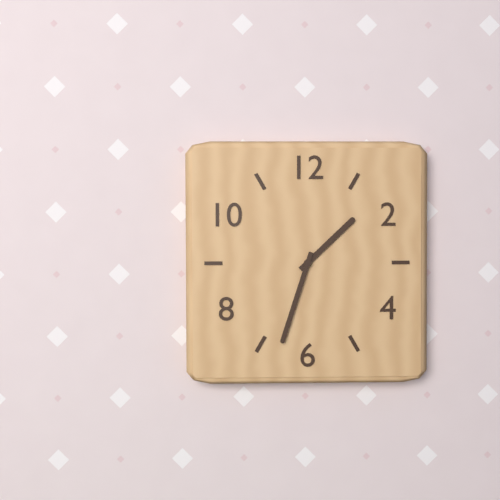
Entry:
1h33
